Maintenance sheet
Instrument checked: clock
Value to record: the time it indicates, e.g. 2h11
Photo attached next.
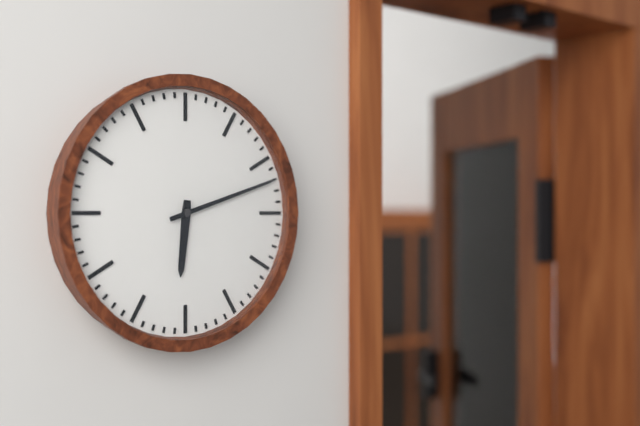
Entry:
6h12
